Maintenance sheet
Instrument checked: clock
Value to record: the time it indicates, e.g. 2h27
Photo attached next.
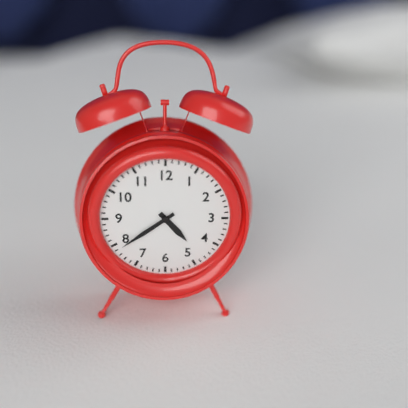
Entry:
4h39
